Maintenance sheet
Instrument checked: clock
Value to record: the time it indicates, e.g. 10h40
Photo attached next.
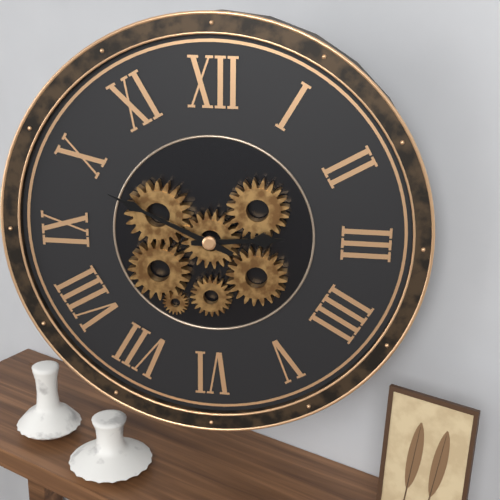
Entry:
2h49
